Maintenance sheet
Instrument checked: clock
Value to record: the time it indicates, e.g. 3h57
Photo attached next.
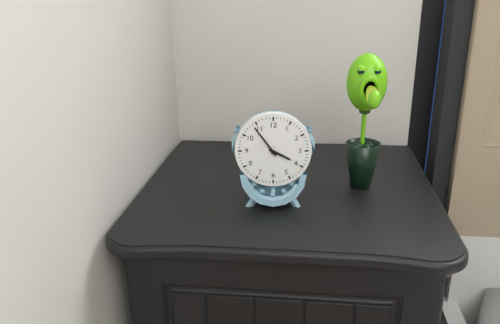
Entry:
3h54
